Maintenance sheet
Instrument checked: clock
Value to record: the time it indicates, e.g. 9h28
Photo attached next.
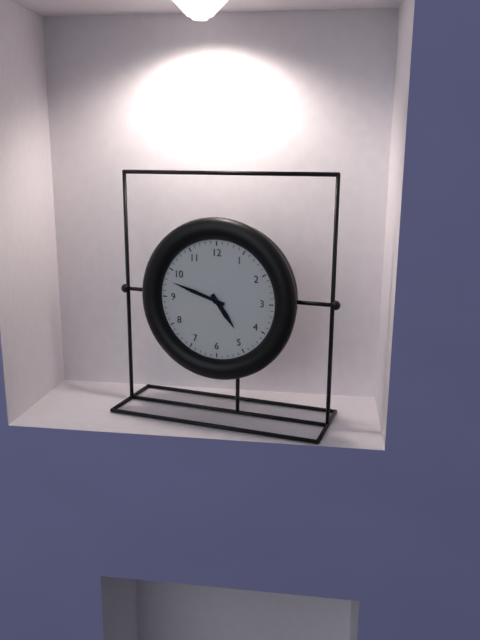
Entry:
4h48
